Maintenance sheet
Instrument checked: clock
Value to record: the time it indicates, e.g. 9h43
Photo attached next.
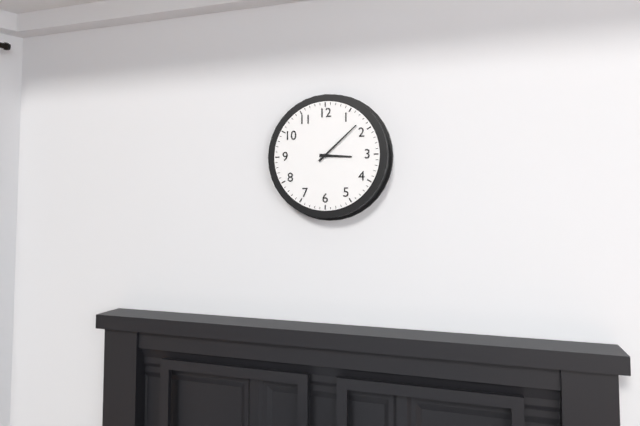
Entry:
3h08
